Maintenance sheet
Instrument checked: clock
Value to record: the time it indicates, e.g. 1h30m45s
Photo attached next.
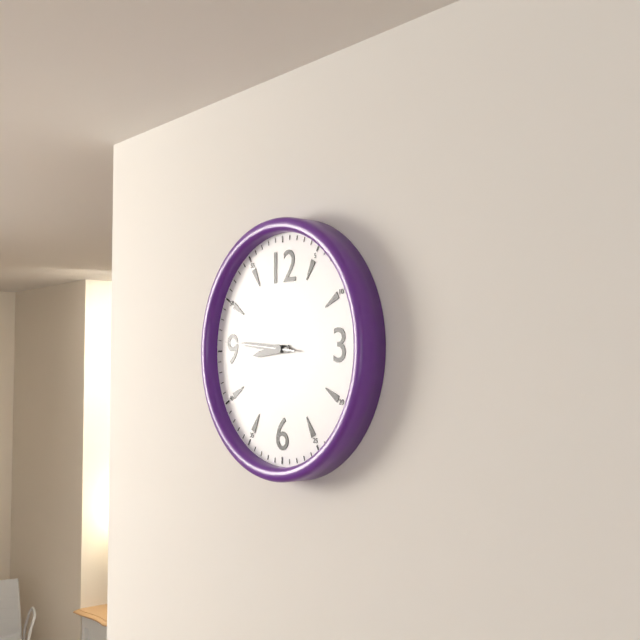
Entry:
8h46m46s
